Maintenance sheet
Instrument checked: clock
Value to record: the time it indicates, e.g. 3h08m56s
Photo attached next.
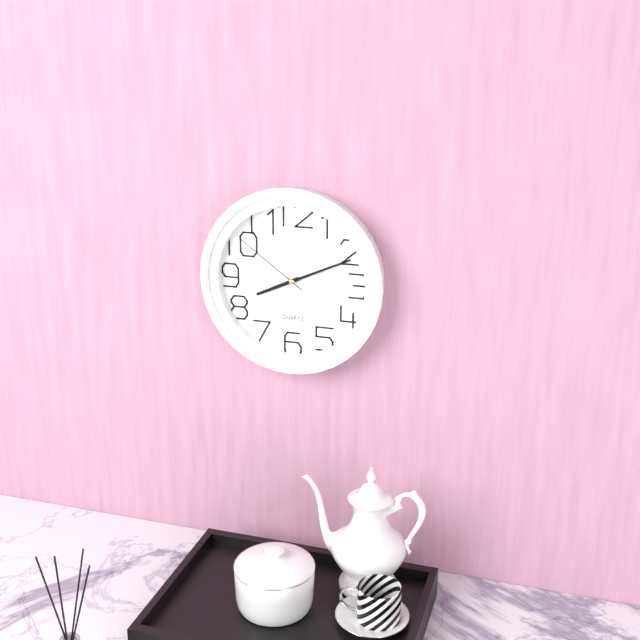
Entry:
8h11m51s
